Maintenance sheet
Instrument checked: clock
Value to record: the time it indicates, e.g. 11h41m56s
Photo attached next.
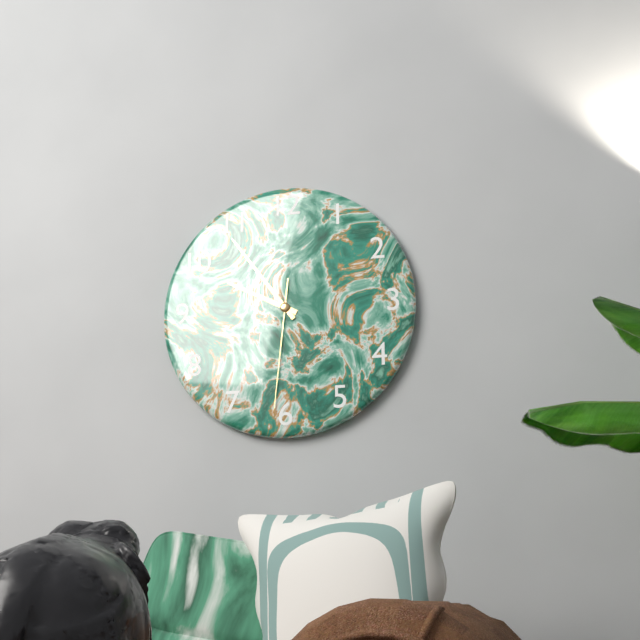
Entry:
9h54m31s
